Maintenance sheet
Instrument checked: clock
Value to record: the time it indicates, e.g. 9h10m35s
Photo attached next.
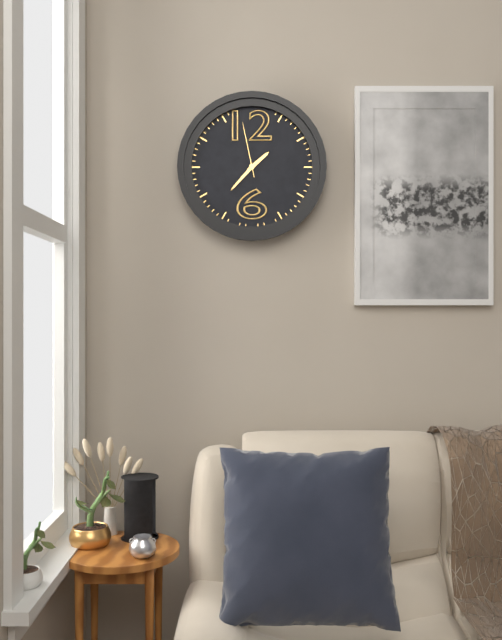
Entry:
1h37m58s
